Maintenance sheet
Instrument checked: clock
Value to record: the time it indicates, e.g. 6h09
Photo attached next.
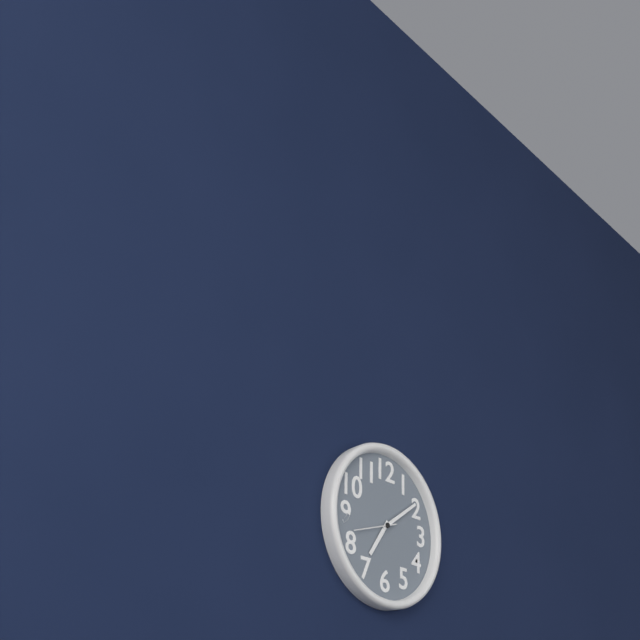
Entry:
7h09
